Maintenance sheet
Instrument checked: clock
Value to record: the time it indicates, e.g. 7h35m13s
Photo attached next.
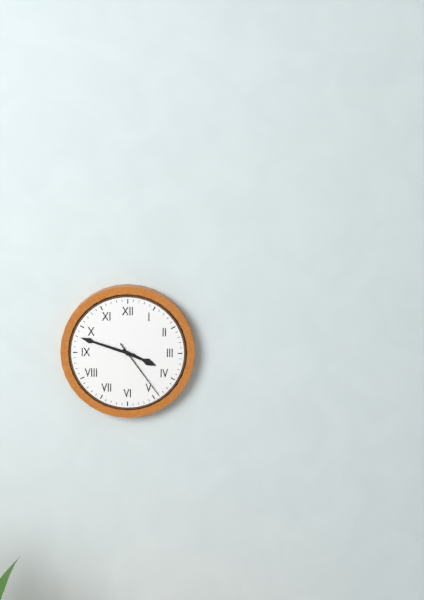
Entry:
3h48m24s
